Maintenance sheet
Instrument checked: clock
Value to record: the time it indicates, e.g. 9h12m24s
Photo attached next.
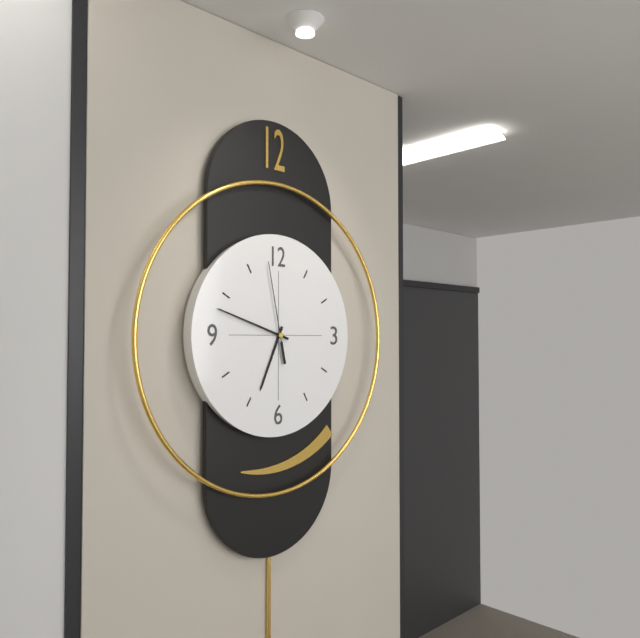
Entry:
6h48m58s
